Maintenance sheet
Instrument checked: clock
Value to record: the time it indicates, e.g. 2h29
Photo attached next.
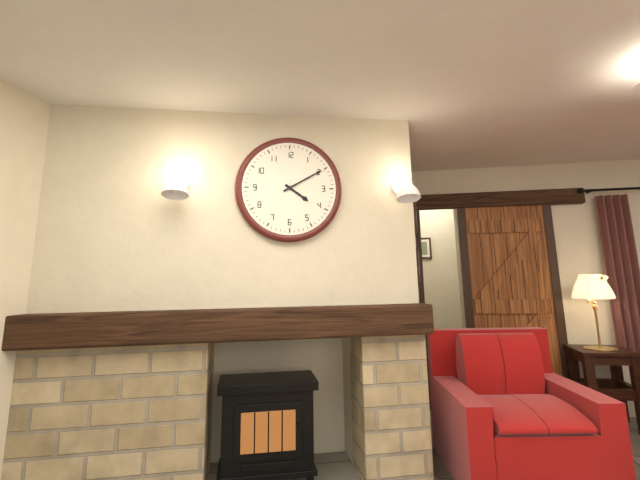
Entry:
4h10
